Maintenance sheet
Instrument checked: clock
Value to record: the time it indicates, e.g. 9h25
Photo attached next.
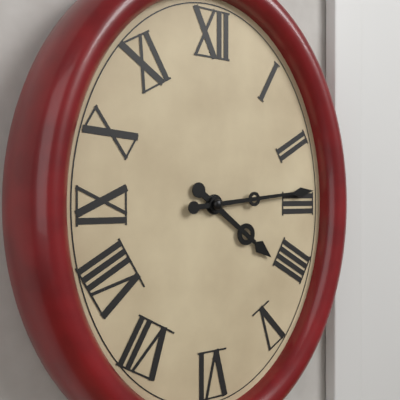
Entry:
4h14
